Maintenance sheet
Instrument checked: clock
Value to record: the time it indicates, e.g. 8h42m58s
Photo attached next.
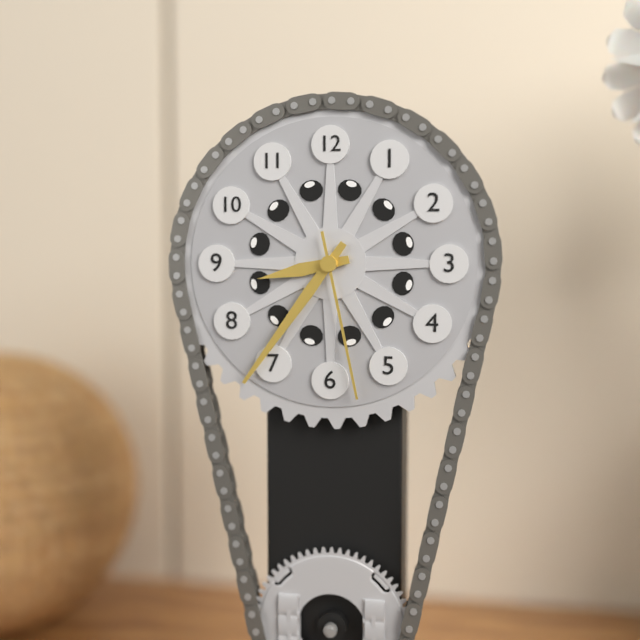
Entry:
8h36m28s
